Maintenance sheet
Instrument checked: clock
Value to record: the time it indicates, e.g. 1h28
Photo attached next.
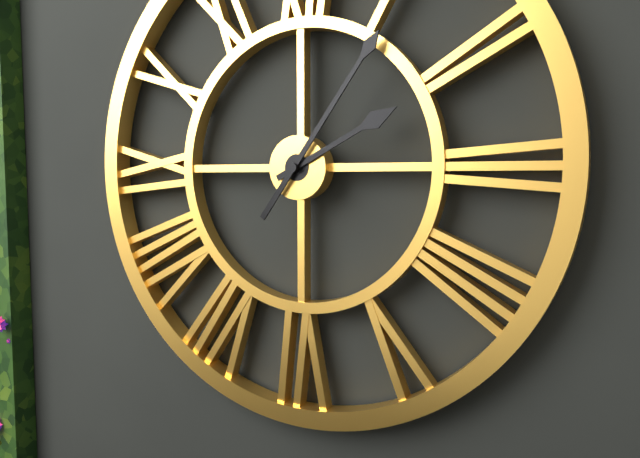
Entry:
2h06
